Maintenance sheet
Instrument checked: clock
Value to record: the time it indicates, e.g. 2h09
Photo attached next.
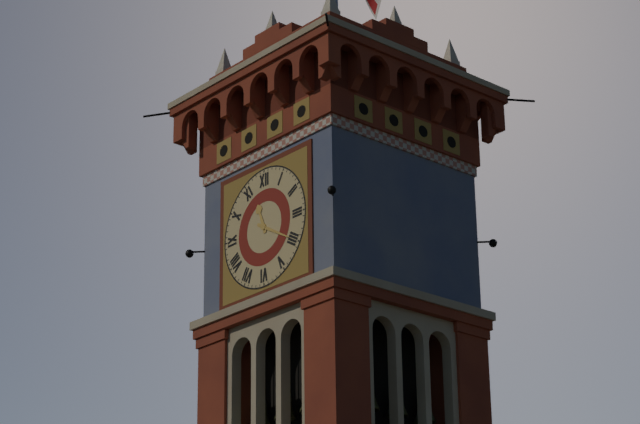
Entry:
11h20
